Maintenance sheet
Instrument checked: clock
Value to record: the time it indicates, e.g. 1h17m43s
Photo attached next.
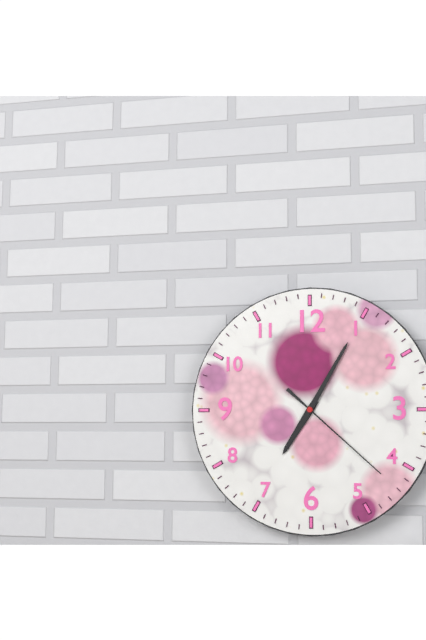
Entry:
7h05m22s
